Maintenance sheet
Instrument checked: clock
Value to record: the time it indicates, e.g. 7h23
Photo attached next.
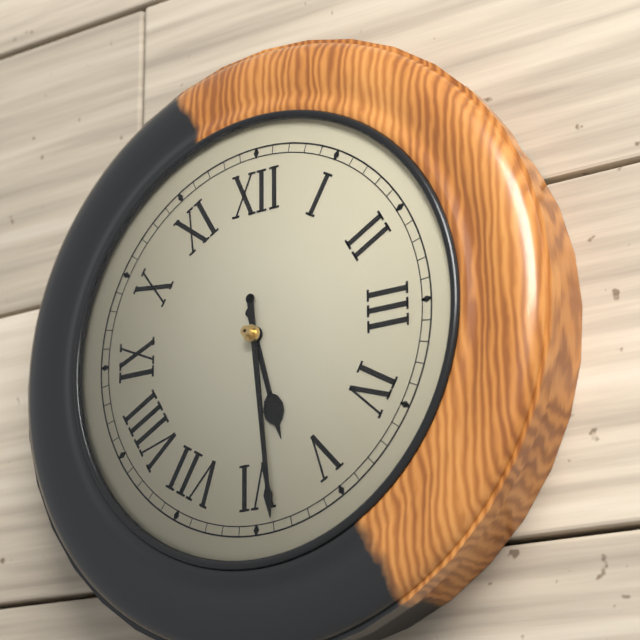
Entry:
5h29
